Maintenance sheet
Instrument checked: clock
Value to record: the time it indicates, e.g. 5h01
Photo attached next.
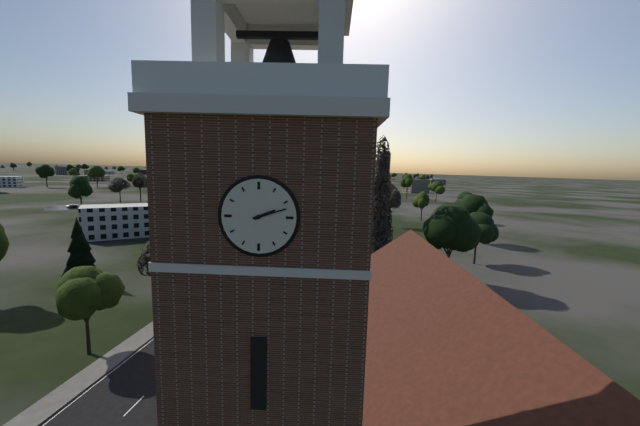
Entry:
2h12
